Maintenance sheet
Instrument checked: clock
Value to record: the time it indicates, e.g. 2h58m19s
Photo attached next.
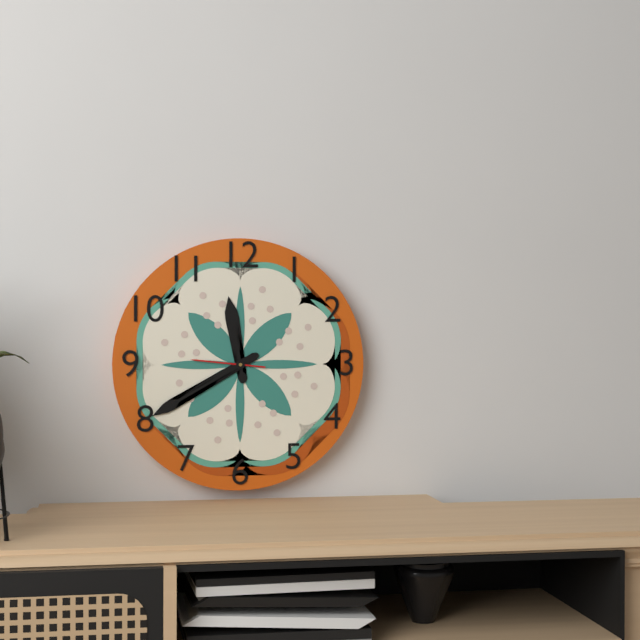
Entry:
11h40m46s
